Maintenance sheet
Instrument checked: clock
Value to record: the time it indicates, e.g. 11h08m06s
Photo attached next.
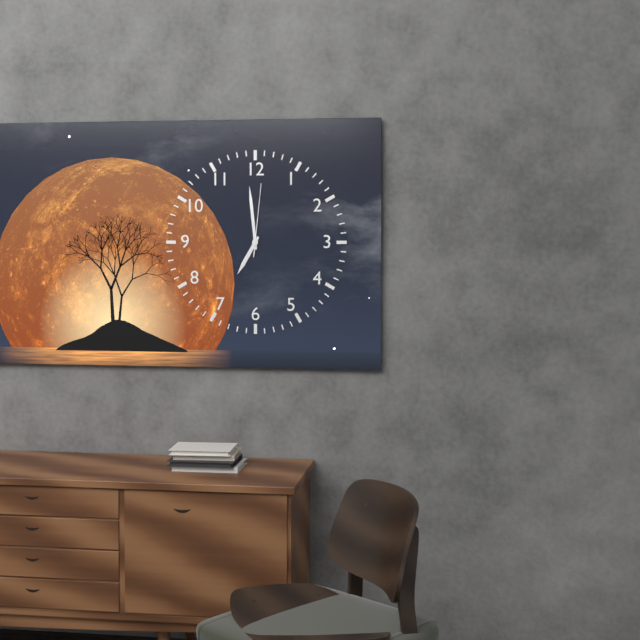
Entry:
6h59m01s
